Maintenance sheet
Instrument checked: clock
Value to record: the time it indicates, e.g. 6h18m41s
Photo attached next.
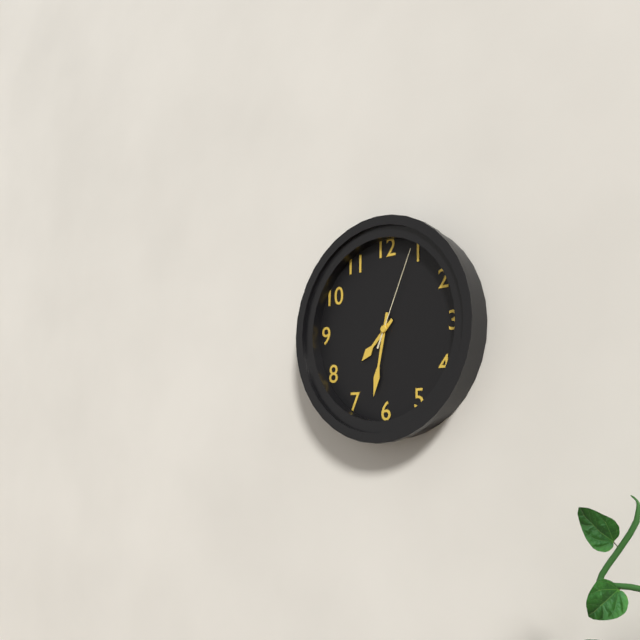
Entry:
7h32m04s
